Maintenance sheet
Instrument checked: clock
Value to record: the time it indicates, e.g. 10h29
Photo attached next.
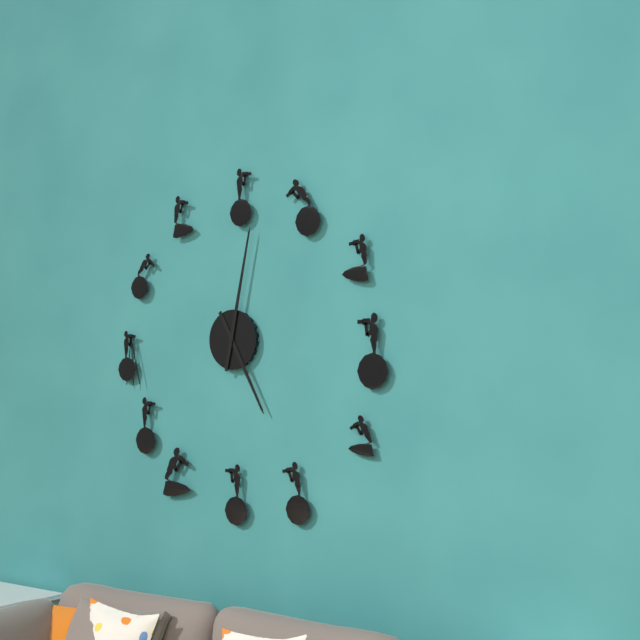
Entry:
5h02
